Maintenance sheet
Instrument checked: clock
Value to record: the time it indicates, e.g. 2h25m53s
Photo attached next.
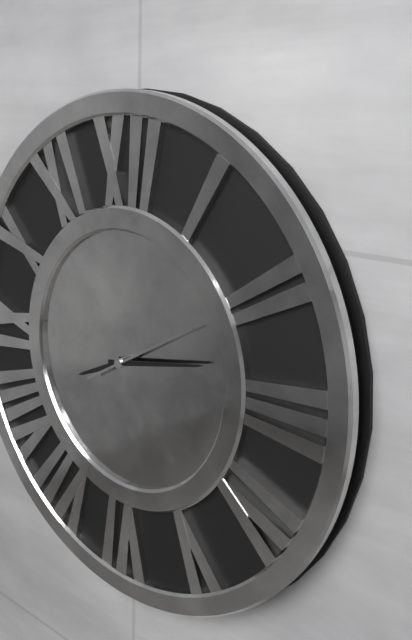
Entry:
8h13m10s
